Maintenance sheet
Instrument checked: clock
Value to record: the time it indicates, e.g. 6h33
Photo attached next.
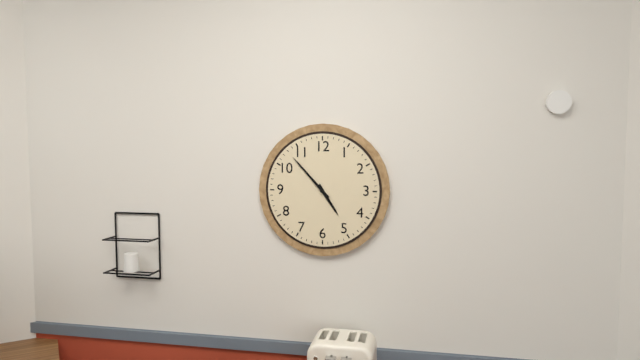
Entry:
4h53
